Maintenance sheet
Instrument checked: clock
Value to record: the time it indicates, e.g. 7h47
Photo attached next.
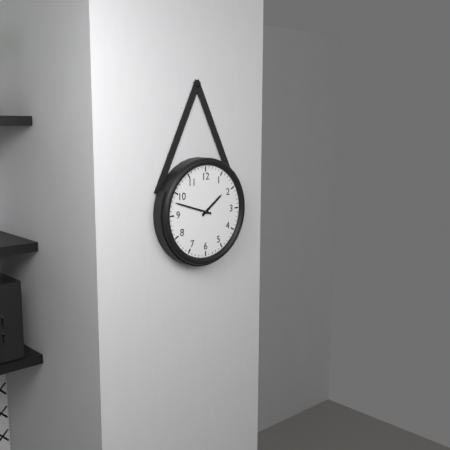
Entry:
1h48
